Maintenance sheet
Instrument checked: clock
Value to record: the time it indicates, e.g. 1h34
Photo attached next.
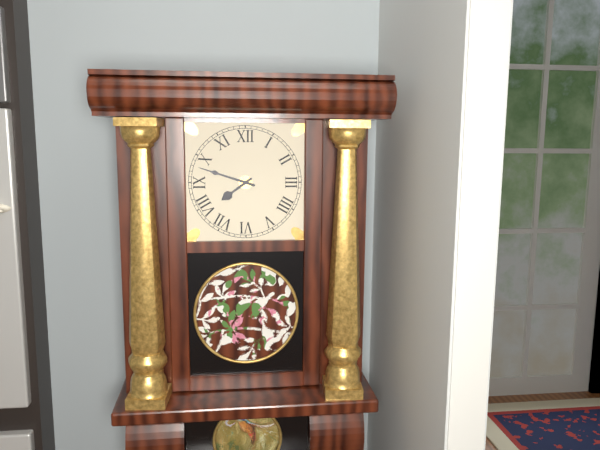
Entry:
7h48
